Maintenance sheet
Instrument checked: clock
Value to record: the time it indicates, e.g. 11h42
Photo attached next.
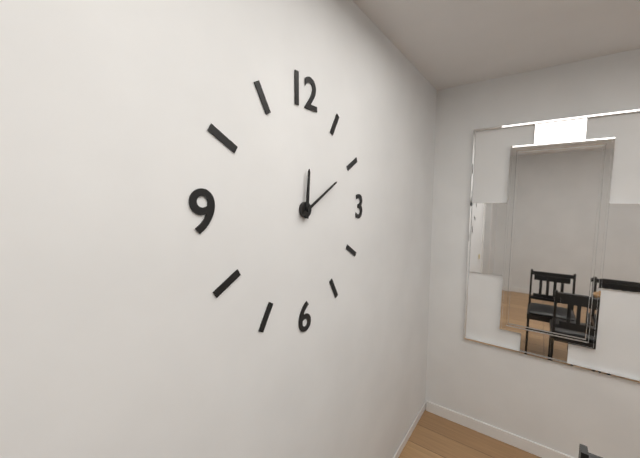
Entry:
12h10
